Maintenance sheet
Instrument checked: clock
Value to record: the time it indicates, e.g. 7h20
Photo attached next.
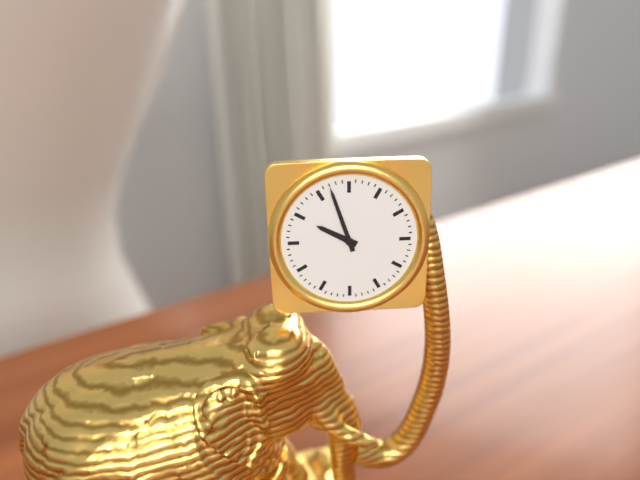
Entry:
9h57
